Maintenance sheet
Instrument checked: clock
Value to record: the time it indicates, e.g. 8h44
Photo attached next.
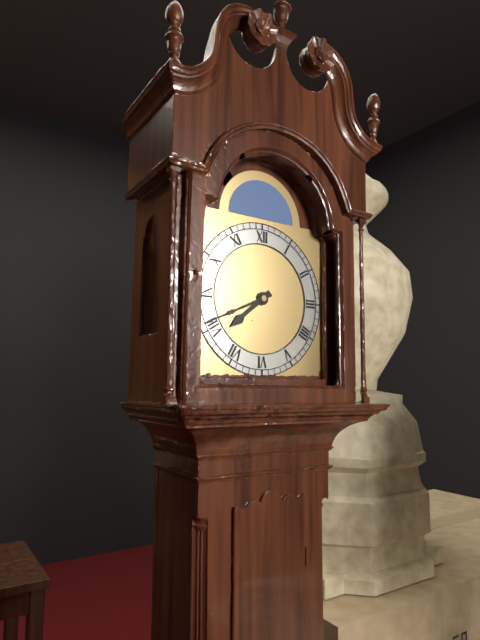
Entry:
7h41
